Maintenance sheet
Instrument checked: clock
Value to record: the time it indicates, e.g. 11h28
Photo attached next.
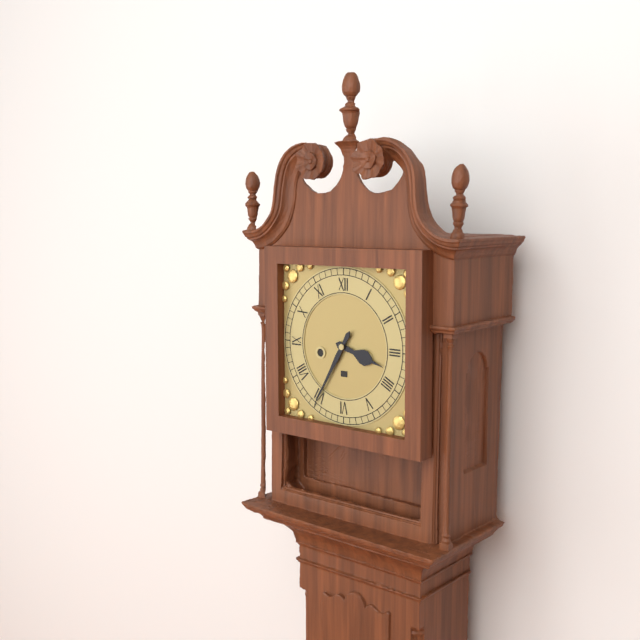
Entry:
3h35
